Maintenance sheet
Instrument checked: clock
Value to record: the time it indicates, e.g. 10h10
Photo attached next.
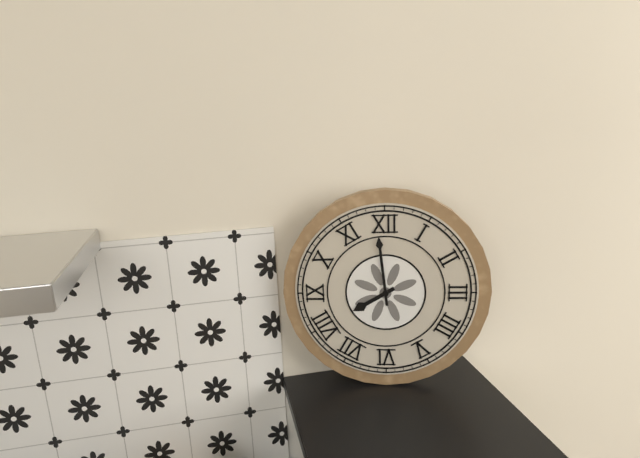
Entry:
7h59
